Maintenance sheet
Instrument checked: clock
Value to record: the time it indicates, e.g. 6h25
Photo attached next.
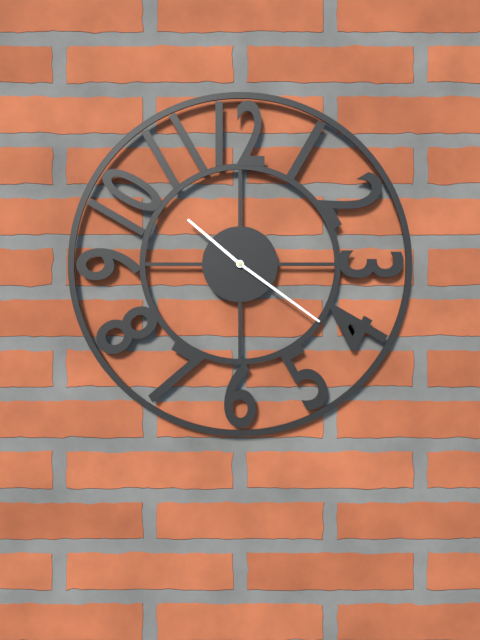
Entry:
10h21
